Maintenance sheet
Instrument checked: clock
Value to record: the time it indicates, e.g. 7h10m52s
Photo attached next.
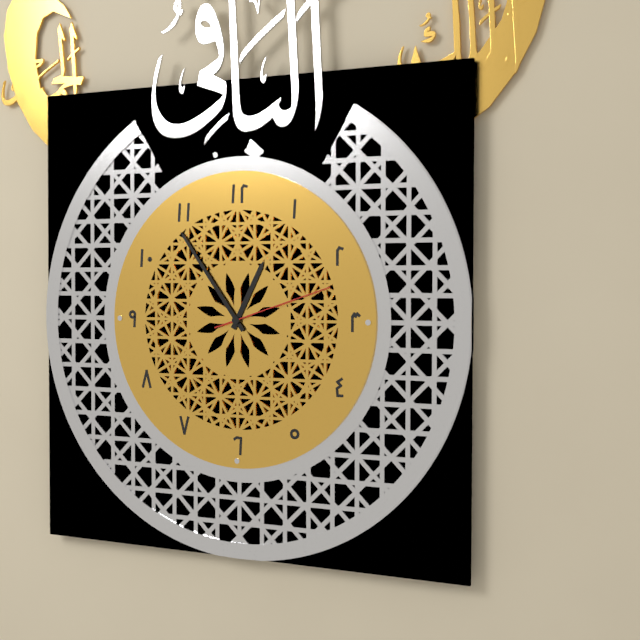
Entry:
12h54m12s
